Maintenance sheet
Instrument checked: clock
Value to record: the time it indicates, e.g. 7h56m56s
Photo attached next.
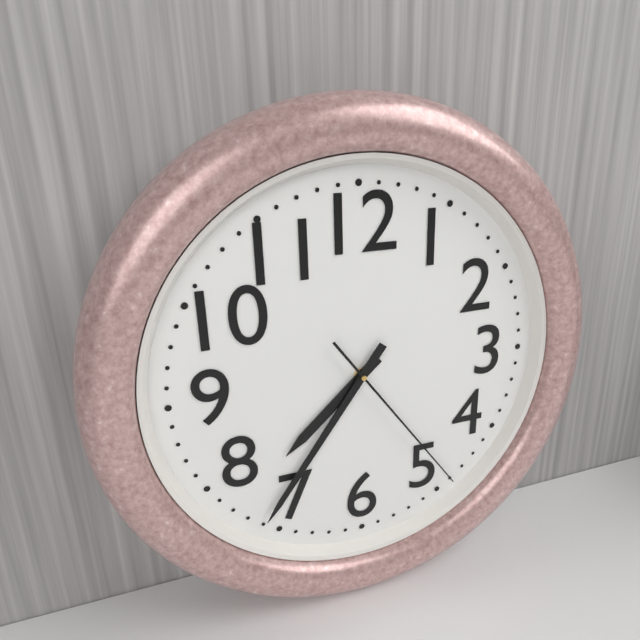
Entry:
7h36m24s
